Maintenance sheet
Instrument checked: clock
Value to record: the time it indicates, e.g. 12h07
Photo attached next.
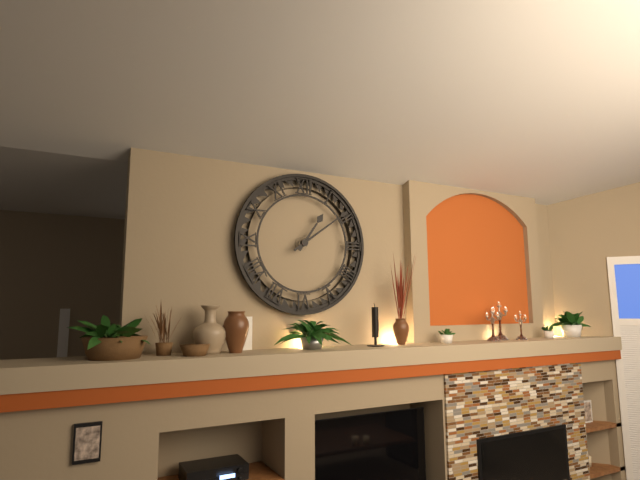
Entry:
1h09
